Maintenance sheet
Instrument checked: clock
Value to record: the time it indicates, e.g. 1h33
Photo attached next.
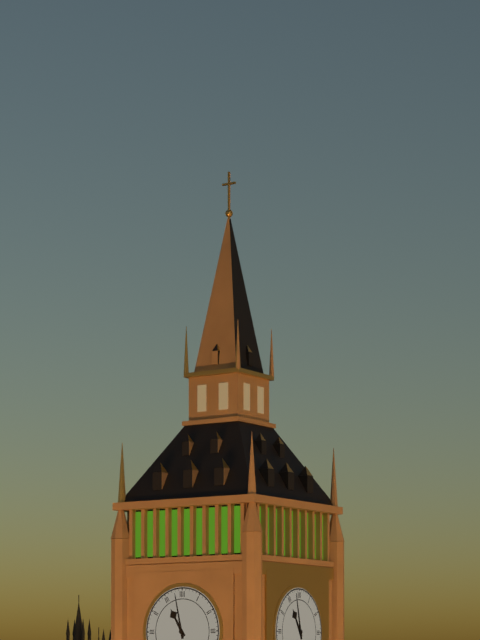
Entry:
10h58
